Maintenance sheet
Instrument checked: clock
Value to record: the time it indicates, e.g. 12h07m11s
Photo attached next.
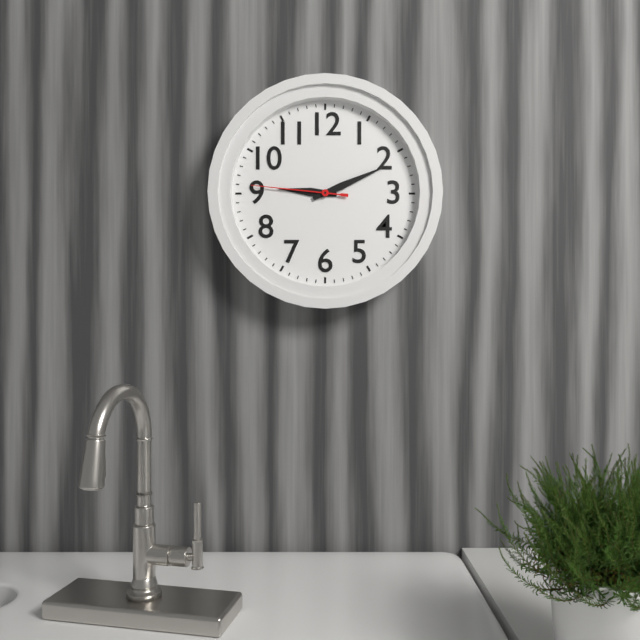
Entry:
9h11m46s
